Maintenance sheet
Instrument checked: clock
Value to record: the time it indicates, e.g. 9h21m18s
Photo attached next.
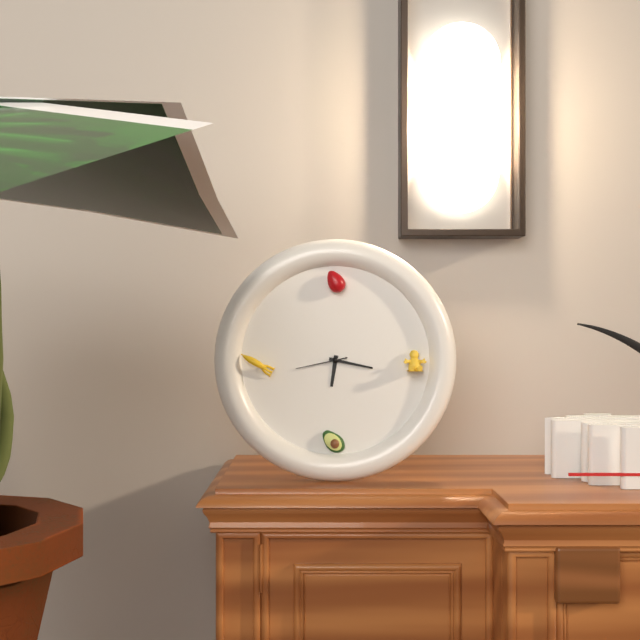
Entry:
6h17m43s
